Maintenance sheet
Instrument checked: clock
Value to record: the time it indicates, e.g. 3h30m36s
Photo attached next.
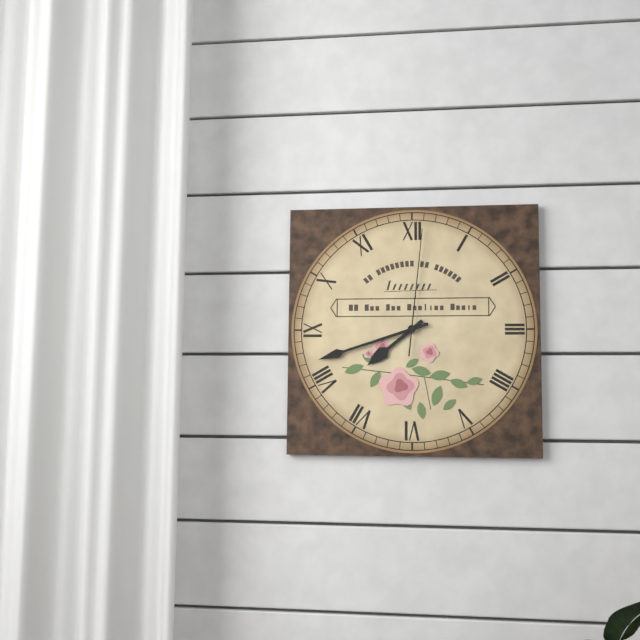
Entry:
7h42m01s
